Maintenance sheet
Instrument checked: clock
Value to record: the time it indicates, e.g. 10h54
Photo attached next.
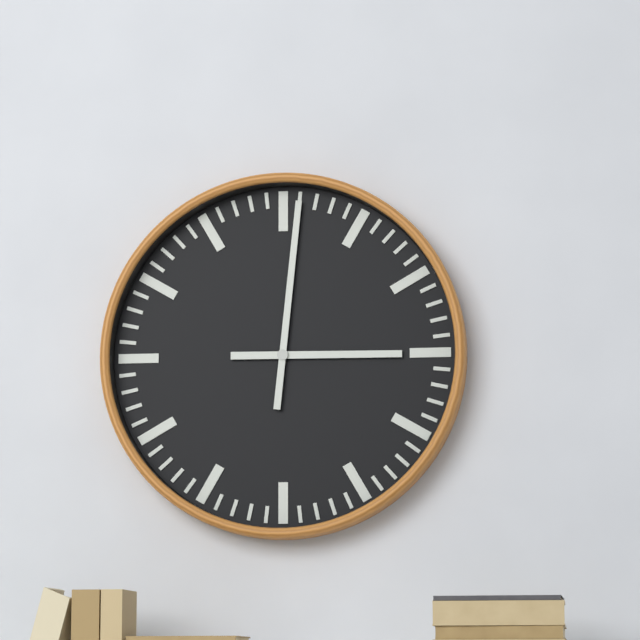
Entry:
3h01
